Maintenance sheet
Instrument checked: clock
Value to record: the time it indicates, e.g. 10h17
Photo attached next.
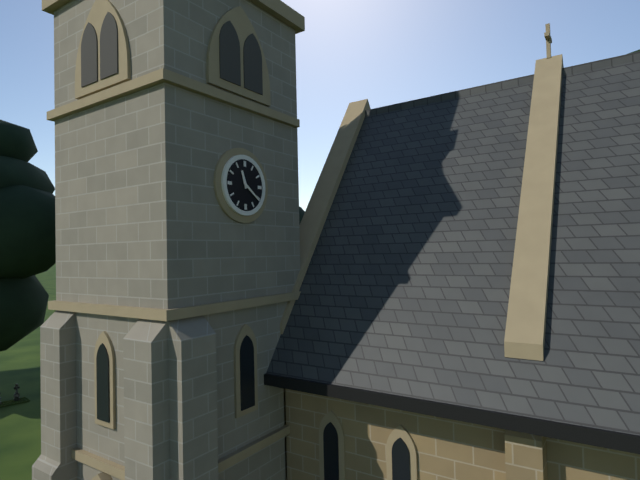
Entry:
11h21
